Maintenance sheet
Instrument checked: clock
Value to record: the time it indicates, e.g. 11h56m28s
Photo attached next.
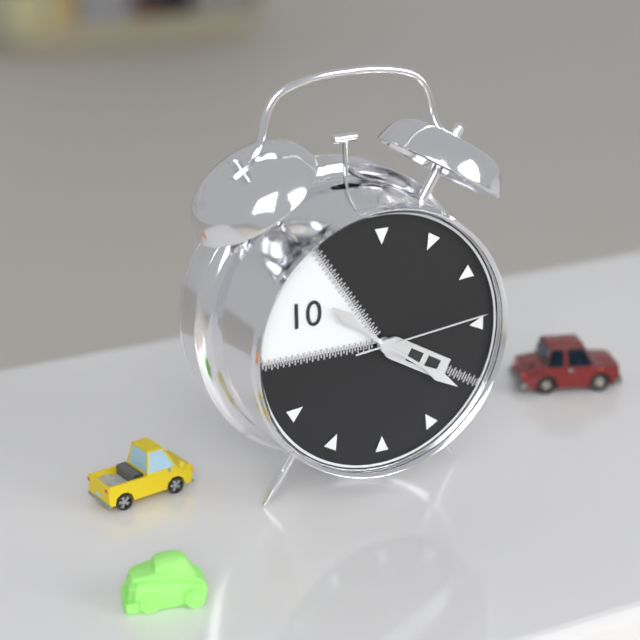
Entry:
10h21m14s
